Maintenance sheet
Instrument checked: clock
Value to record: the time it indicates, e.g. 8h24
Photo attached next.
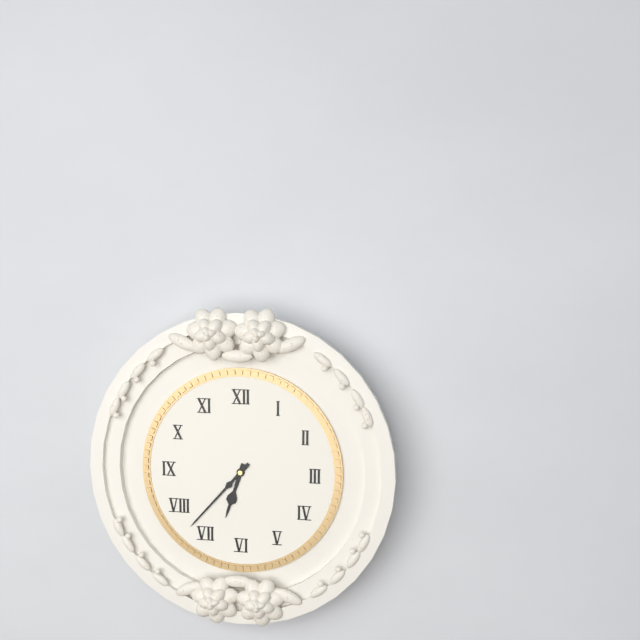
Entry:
6h37
